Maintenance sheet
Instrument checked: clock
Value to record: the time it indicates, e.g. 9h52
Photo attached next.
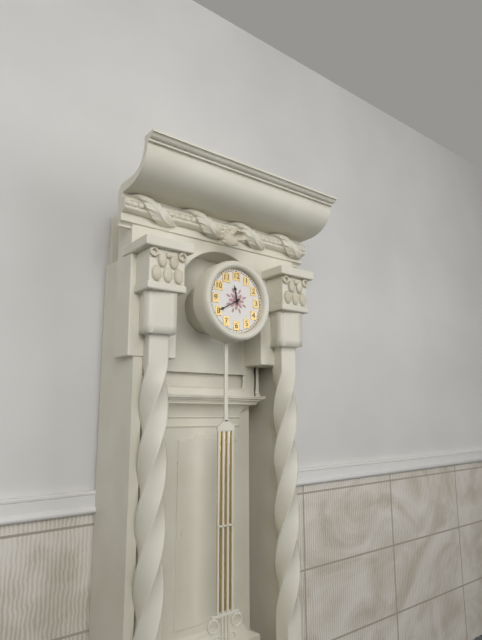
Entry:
11h40
